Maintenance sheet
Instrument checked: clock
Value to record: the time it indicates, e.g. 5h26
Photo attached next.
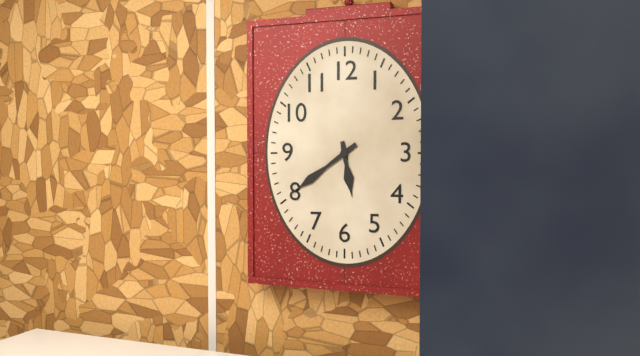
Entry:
5h39
